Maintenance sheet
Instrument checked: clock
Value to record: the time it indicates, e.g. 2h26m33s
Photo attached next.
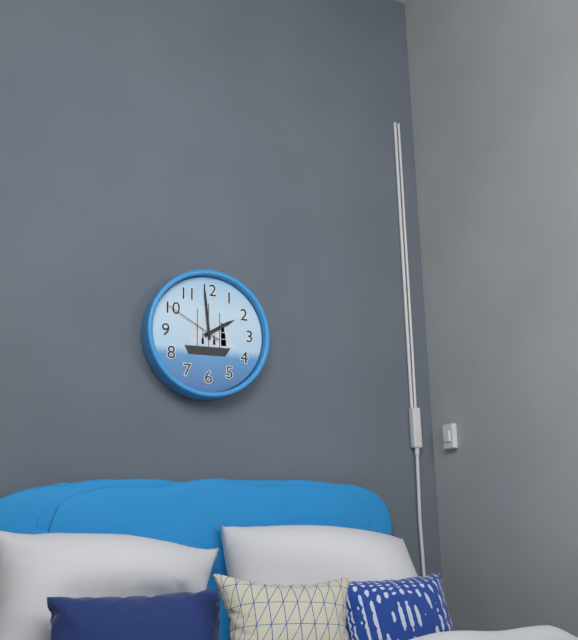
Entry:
1h59m50s
